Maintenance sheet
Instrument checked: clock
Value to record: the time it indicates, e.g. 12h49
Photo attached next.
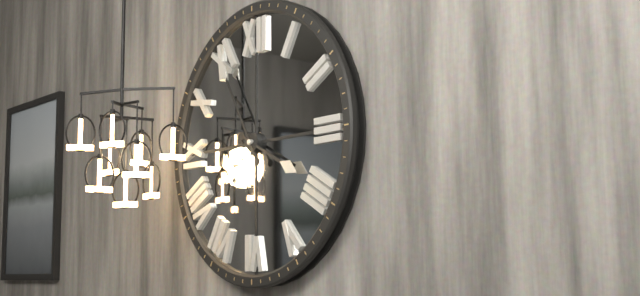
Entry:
3h55
